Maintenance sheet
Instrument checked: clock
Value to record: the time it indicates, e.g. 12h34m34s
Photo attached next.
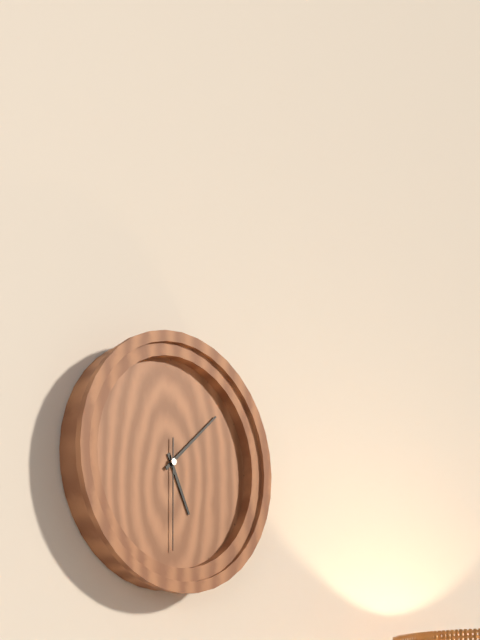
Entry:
5h08m30s
